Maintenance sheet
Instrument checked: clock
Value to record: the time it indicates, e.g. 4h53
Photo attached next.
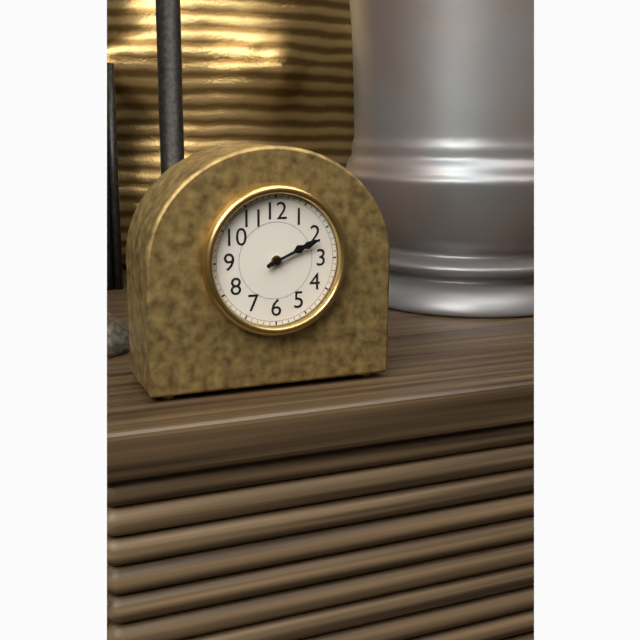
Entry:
2h11
